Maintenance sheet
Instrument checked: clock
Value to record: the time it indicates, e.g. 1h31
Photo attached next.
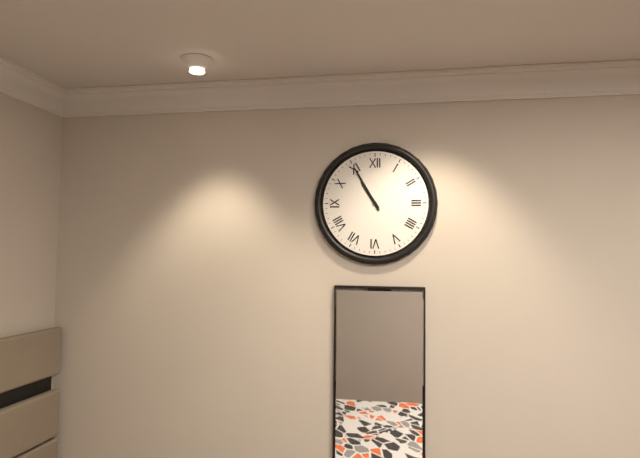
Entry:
10h55
